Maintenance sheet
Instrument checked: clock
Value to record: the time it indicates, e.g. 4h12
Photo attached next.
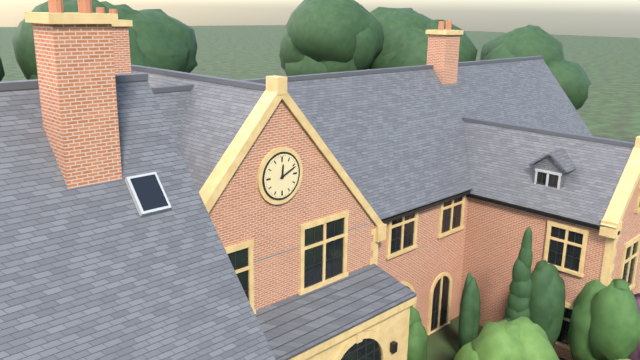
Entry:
12h11
